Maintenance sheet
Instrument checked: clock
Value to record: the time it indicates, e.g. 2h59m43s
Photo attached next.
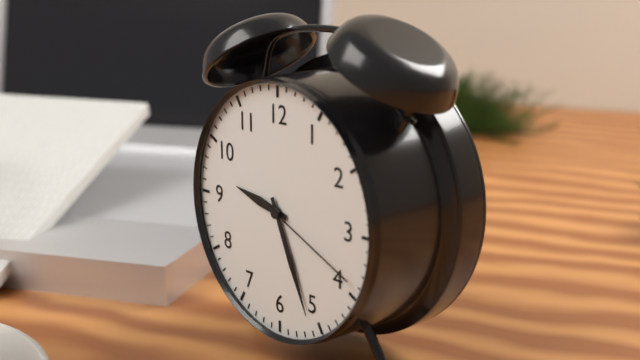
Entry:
9h26m19s
